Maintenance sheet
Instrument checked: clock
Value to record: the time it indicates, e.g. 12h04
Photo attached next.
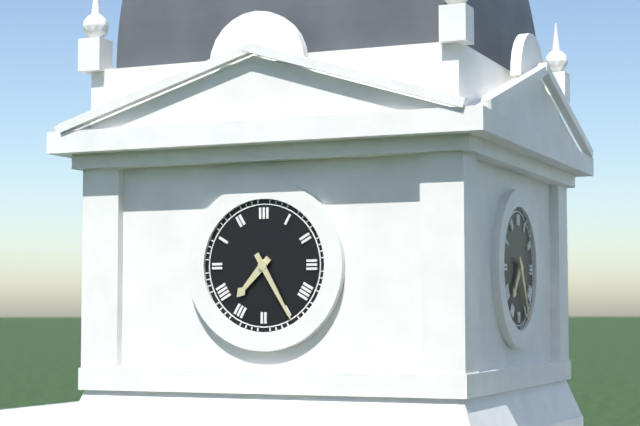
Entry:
7h25
